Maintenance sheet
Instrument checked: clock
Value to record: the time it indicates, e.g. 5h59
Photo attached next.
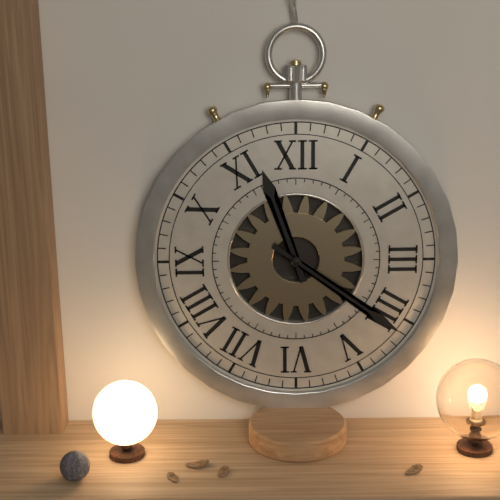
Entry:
11h21
